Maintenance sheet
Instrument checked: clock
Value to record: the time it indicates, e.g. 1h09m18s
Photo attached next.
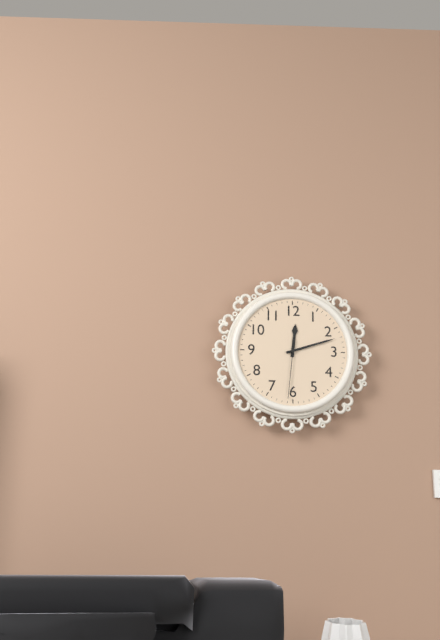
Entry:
12h12m31s
